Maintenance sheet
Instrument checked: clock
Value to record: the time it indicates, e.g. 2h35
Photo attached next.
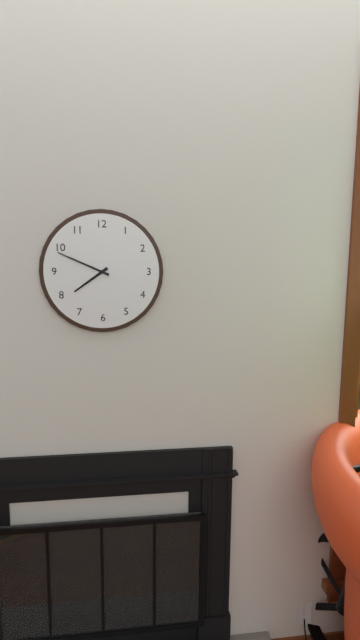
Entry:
7h49
